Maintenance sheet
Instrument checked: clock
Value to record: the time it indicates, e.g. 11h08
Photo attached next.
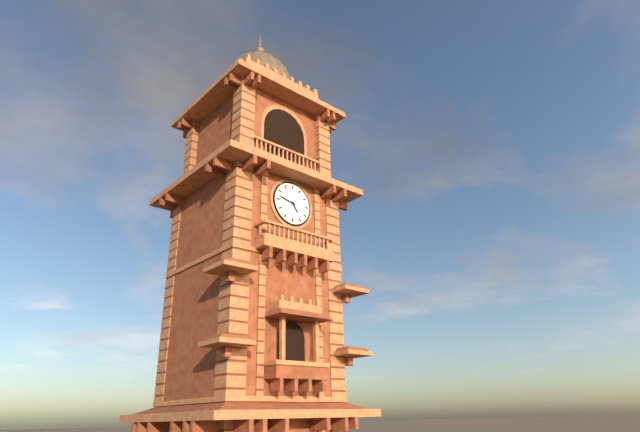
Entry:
4h47
